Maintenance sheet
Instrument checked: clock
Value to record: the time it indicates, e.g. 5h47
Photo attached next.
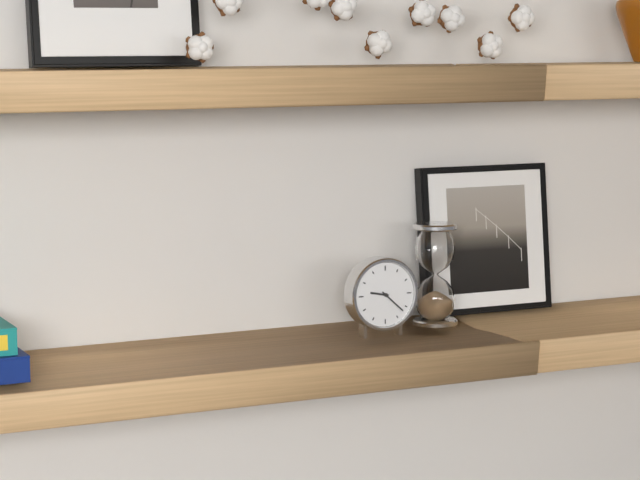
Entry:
9h22
